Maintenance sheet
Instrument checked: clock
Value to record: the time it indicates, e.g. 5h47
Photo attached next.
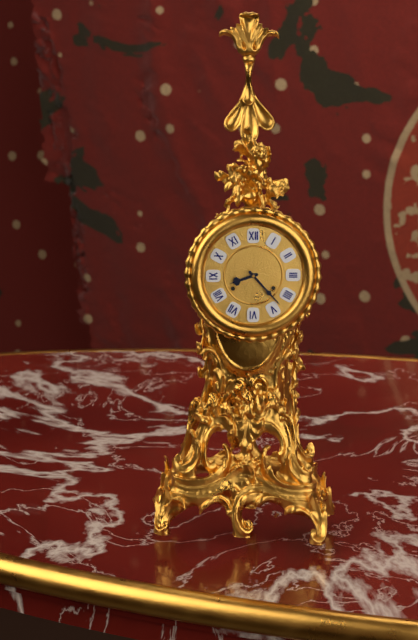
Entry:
8h23
